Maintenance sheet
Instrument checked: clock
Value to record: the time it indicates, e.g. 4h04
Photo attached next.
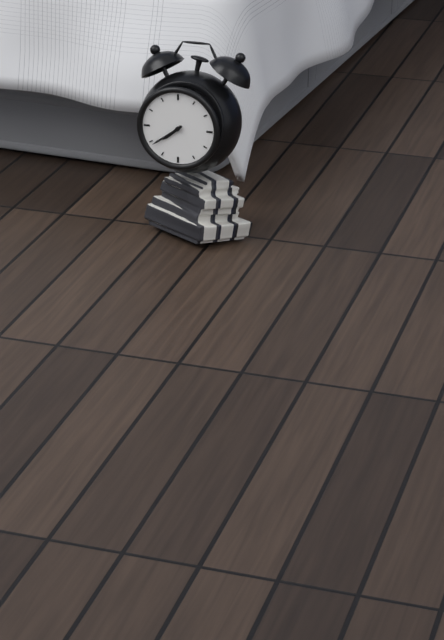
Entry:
7h39
